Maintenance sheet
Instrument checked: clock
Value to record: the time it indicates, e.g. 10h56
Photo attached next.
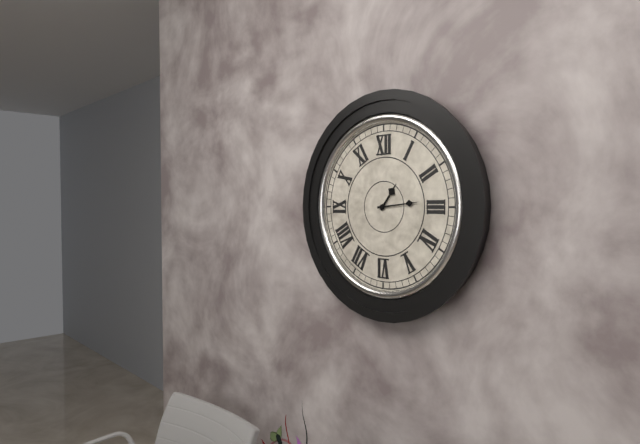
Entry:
1h14
